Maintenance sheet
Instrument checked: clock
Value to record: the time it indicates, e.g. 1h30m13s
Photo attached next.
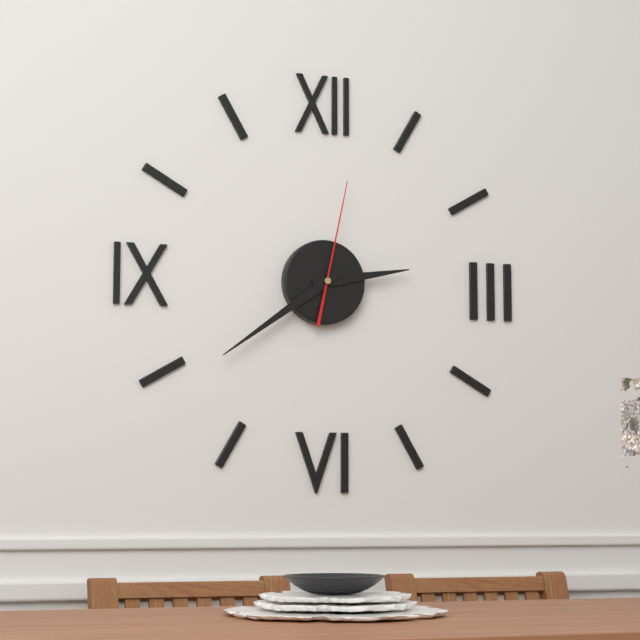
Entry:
2h39m02s
